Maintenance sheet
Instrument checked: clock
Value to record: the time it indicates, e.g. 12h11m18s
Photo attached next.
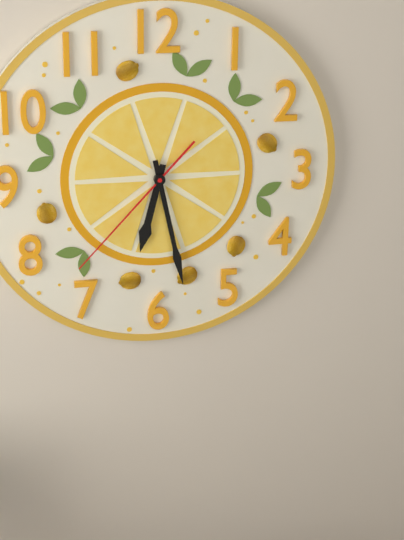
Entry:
6h28m37s
